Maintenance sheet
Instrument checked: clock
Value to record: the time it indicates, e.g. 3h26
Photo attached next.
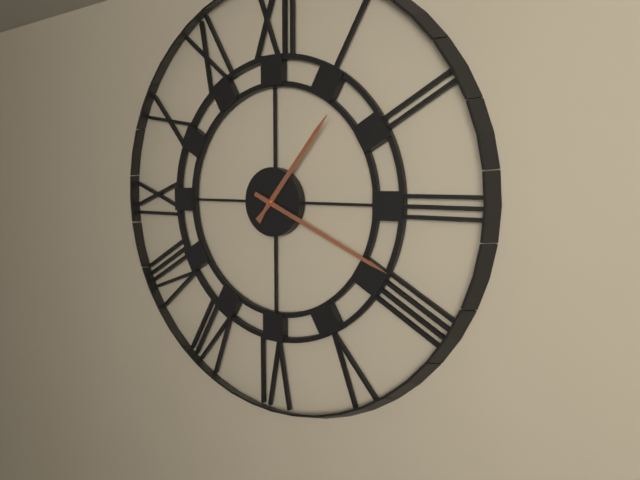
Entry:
1h19
